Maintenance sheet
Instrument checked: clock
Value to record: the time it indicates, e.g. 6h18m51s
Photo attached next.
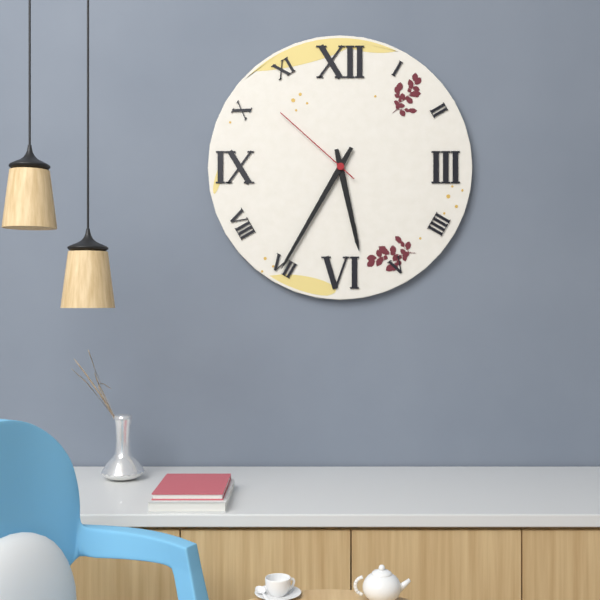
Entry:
5h35m52s
